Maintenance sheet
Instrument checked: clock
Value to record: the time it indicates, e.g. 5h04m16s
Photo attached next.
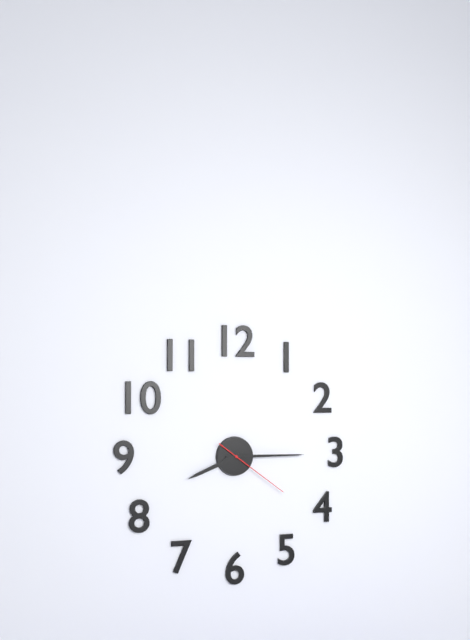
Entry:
8h15m21s
